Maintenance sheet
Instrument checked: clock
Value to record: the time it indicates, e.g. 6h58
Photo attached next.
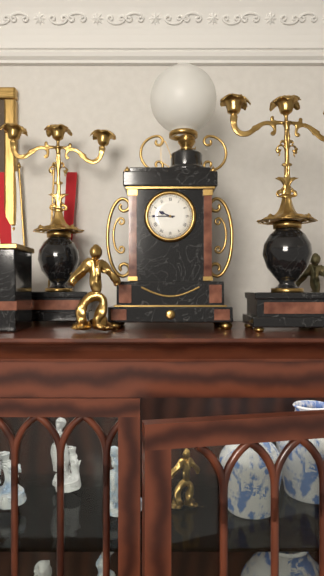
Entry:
9h45
